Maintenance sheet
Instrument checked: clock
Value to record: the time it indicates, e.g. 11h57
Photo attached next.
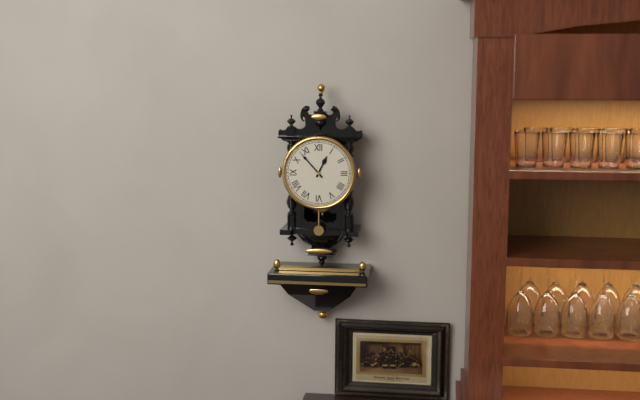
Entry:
12h53
